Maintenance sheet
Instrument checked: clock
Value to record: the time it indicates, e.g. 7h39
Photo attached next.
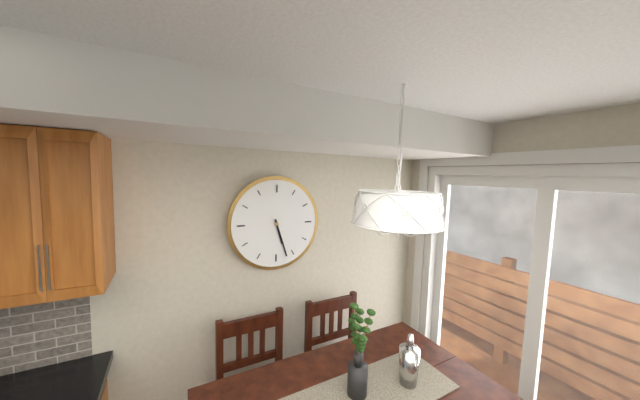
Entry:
5h27
